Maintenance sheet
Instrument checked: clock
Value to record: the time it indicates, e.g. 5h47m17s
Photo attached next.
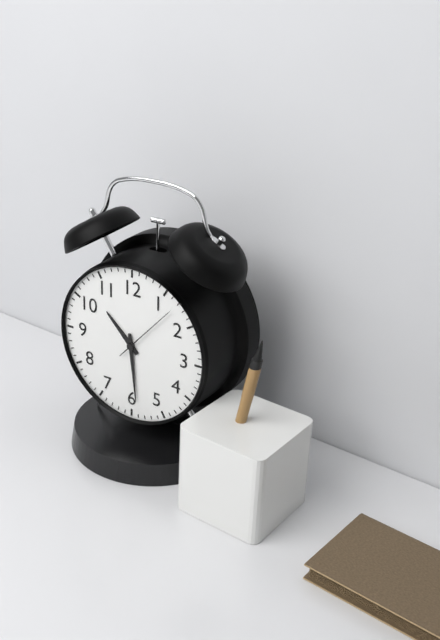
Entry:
10h29m07s
